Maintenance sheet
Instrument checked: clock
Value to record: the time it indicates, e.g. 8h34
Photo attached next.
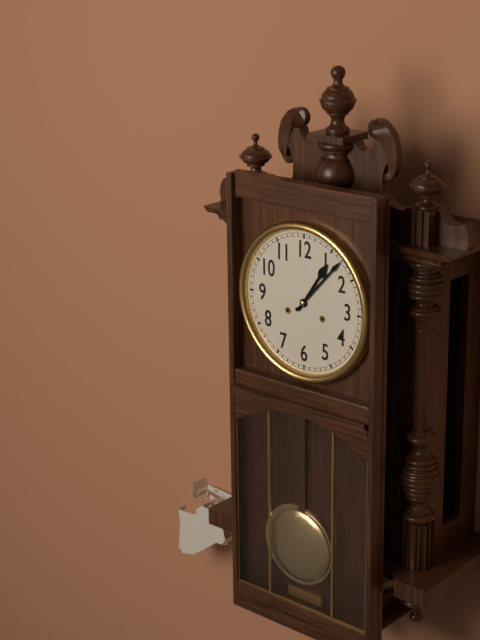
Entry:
1h07
